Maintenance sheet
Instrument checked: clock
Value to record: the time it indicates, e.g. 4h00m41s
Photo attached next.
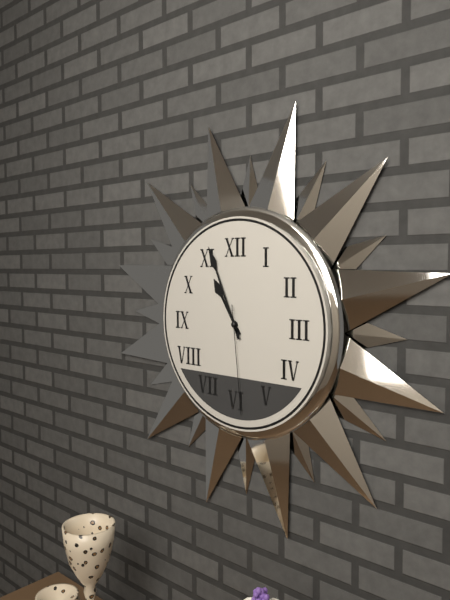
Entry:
10h56m29s
